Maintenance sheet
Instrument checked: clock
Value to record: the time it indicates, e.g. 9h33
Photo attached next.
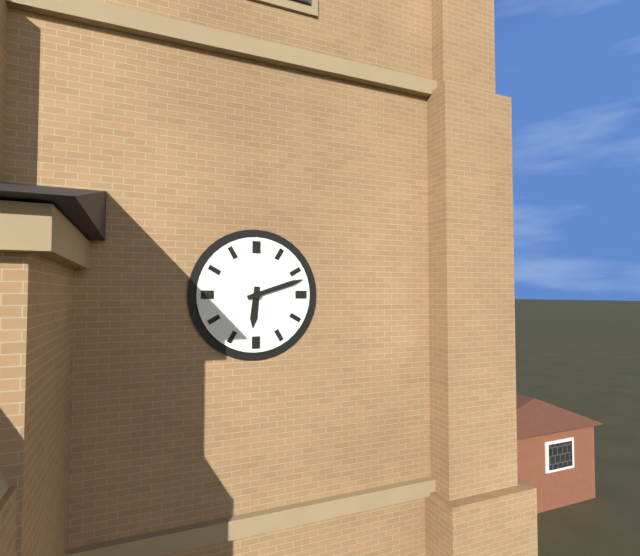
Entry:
6h12
